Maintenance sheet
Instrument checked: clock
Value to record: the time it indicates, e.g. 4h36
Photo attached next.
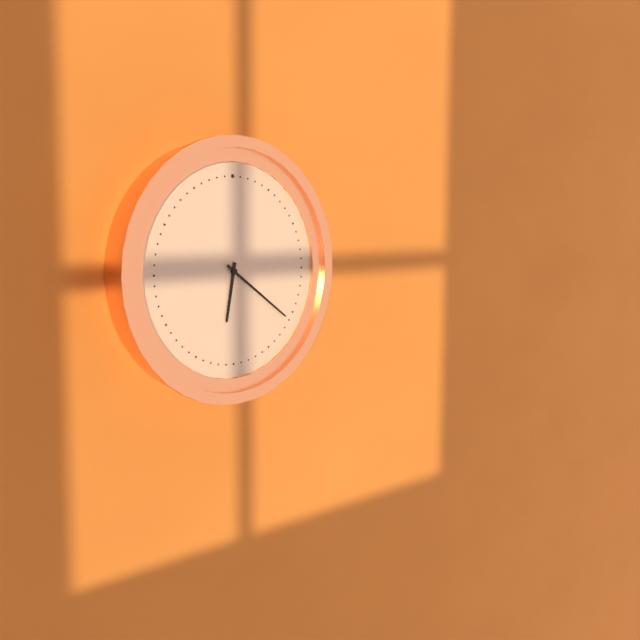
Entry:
6h21
